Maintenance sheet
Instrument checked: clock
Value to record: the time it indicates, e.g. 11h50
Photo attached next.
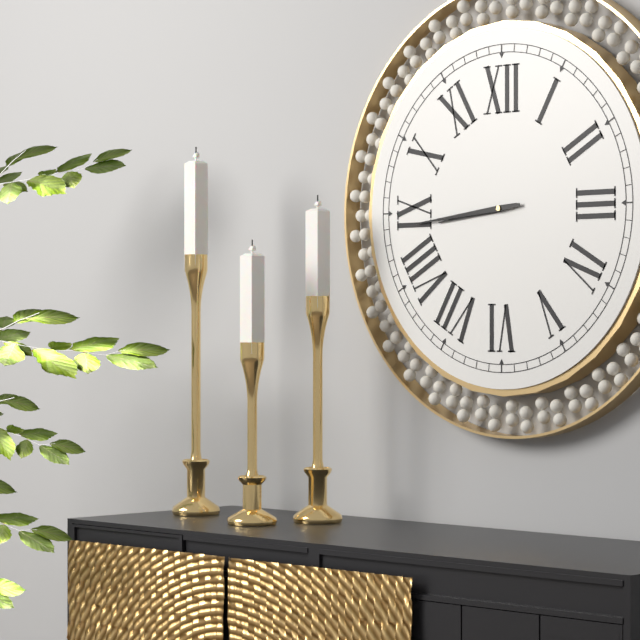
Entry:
8h44
